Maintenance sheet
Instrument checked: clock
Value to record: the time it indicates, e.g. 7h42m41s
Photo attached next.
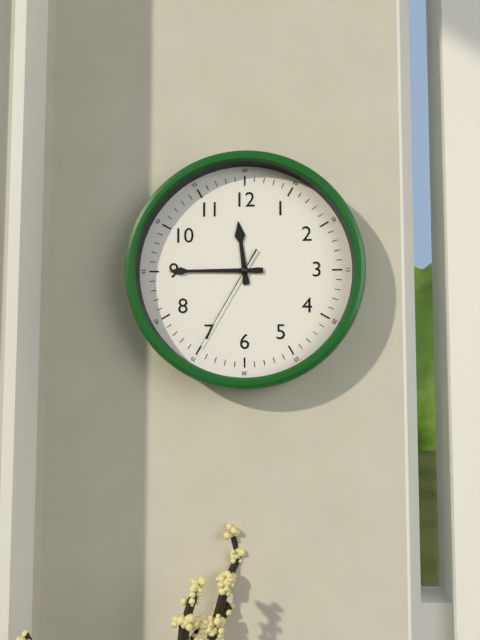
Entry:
11h45m35s
